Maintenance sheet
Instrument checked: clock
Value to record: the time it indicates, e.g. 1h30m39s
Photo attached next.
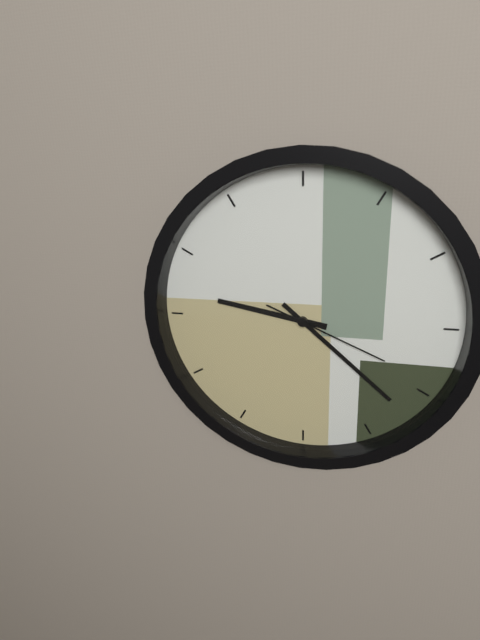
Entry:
9h22m19s
